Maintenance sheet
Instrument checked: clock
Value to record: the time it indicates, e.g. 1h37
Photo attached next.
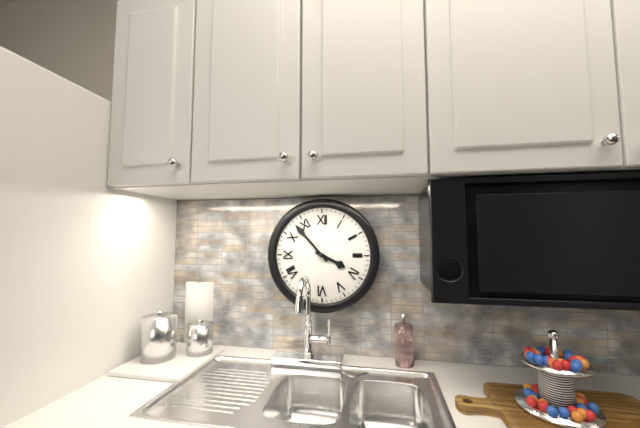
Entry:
3h53
